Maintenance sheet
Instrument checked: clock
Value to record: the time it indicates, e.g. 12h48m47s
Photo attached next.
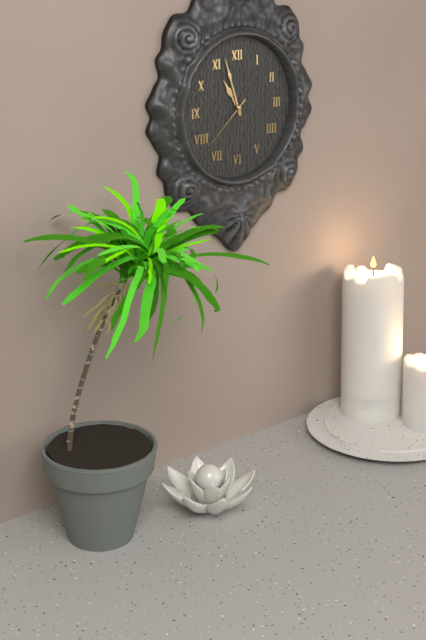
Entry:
10h57m38s
